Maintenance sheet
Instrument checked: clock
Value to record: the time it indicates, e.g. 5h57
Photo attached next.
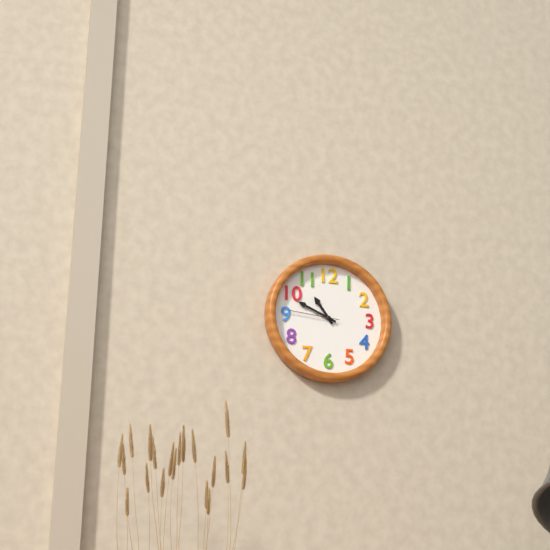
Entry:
10h49
